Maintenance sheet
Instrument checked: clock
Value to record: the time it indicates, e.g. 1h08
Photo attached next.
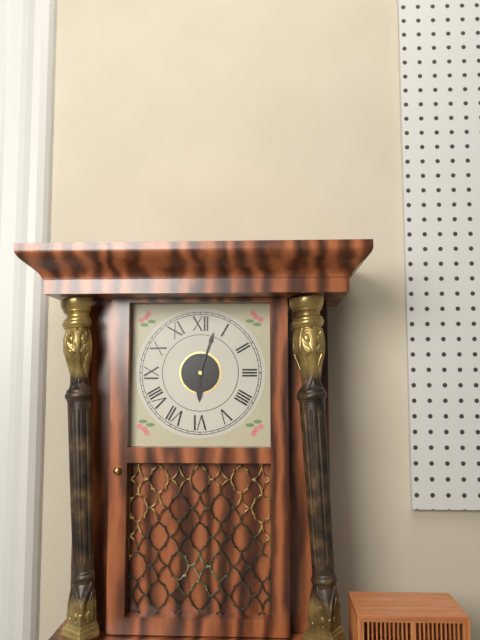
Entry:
6h03
